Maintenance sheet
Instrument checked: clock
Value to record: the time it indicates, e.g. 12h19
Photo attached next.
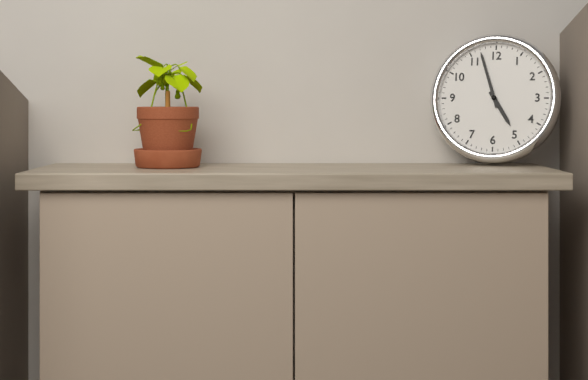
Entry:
4h57
